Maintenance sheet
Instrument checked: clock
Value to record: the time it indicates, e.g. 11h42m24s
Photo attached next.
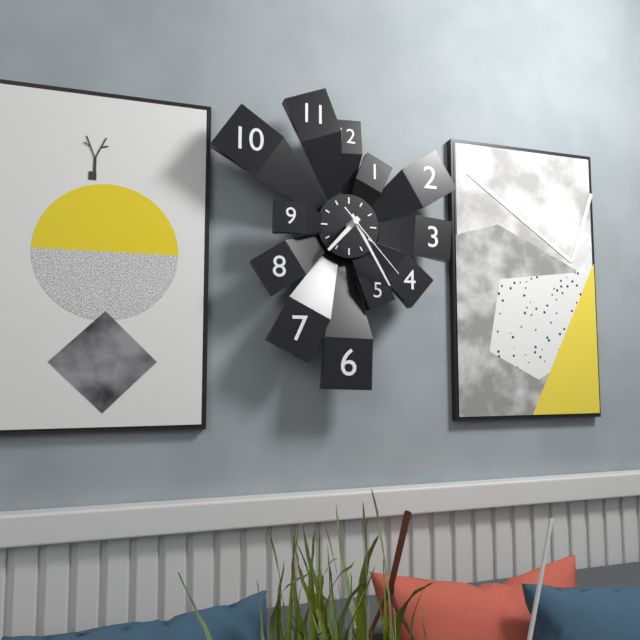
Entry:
7h25m23s
